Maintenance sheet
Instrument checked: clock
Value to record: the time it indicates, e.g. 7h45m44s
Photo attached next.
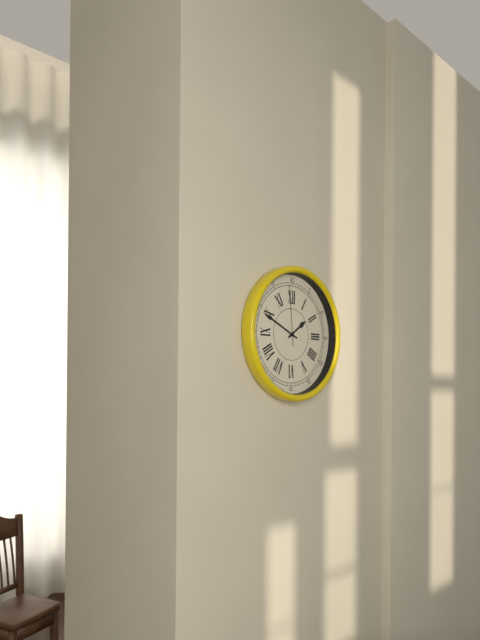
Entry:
1h49m59s
